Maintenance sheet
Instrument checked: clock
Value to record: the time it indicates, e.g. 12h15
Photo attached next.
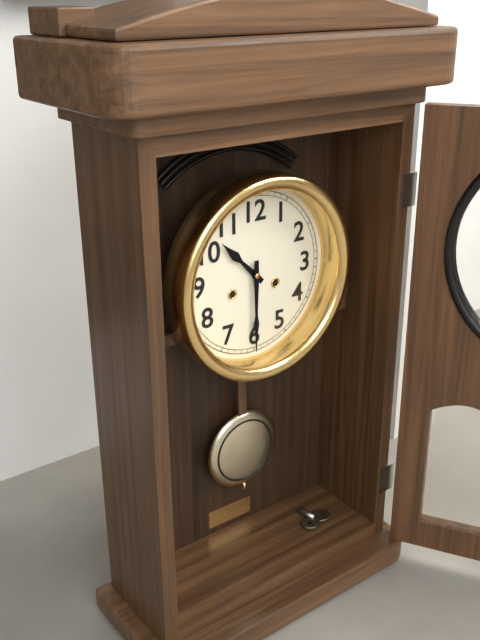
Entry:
10h30
